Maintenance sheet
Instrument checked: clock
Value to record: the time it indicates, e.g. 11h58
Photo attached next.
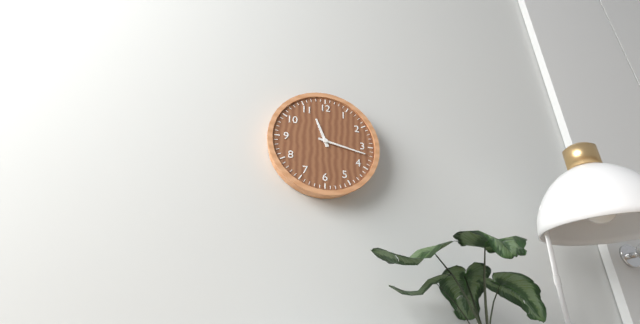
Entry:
11h17
